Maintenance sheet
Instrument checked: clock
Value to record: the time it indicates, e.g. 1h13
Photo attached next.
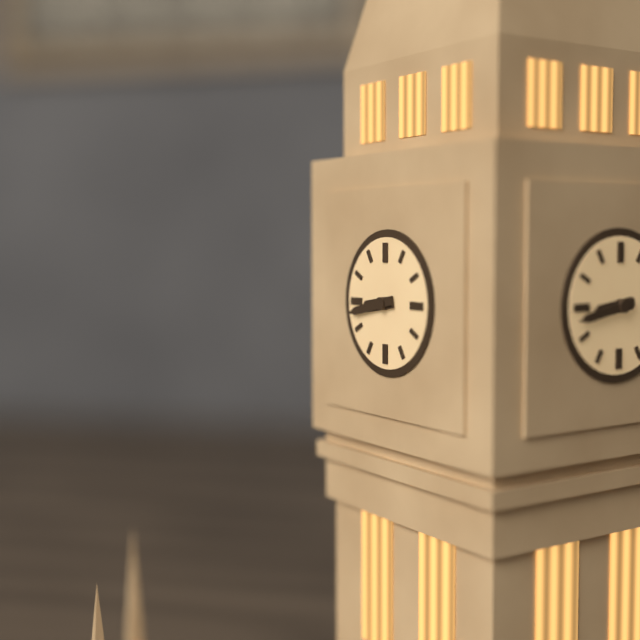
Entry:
8h43
